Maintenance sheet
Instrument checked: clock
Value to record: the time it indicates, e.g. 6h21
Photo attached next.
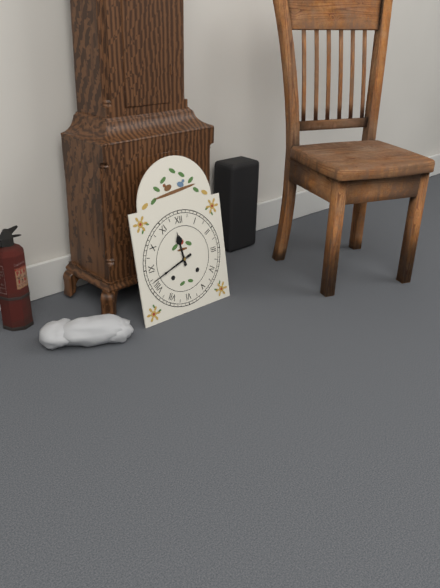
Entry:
11h42
